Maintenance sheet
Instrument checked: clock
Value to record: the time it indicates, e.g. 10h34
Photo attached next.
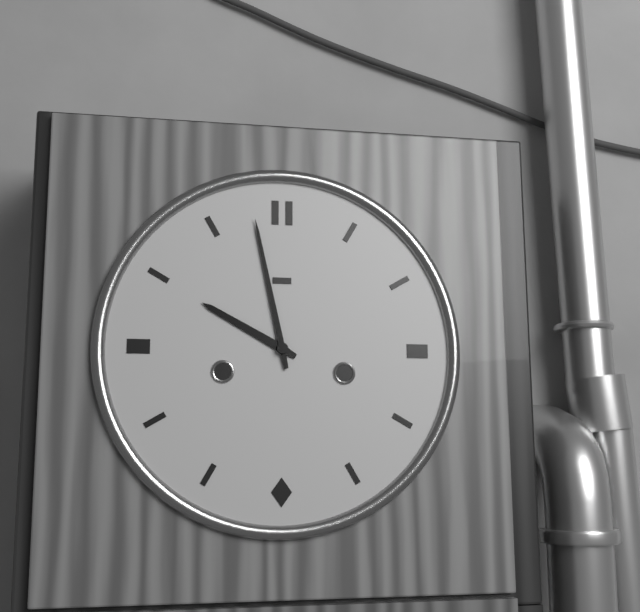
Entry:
9h58
